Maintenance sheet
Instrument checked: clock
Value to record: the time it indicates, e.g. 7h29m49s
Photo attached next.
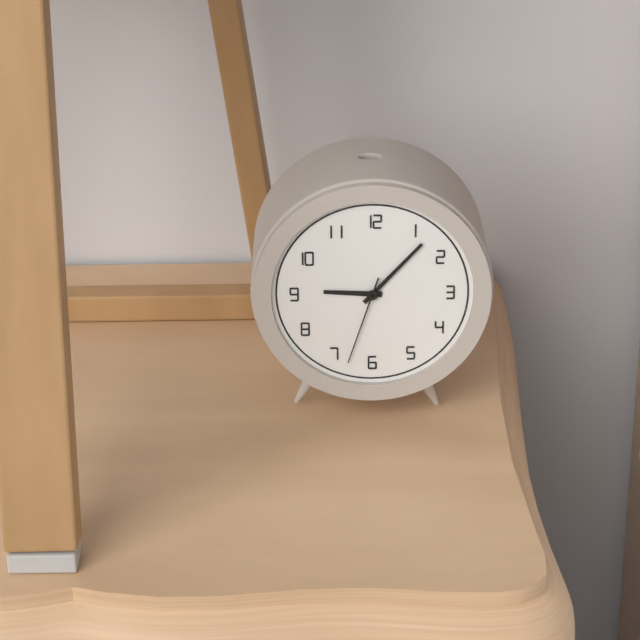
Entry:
9h07m33s
